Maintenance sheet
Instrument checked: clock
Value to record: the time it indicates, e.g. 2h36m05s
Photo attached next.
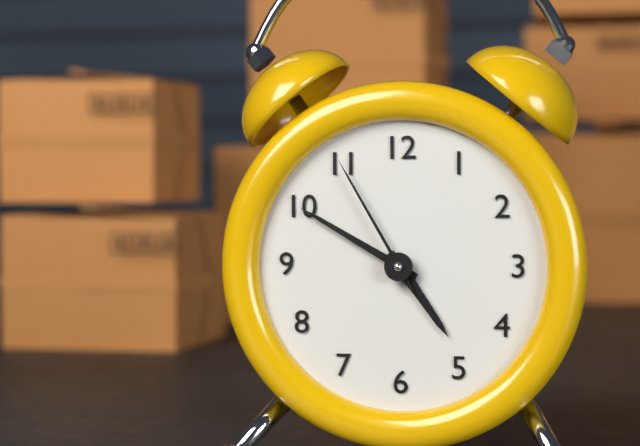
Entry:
4h50m55s
